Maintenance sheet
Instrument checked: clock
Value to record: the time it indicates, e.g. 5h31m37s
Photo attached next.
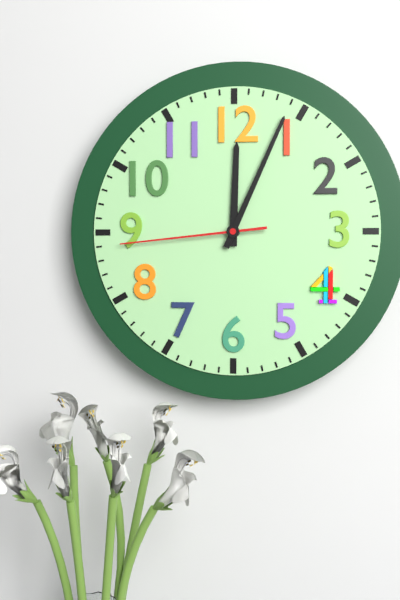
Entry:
12h04m44s
